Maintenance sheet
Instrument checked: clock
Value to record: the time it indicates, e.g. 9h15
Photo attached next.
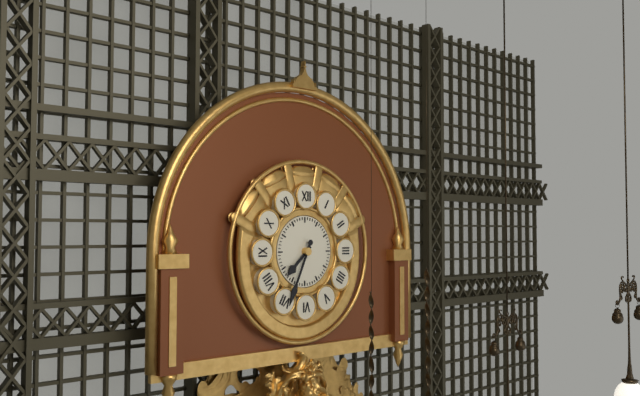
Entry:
7h34
